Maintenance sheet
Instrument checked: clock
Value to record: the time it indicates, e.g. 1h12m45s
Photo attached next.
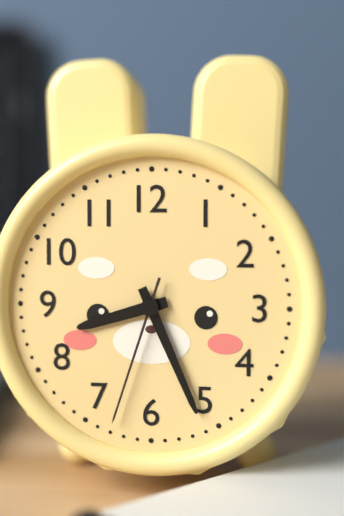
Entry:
8h26m33s
